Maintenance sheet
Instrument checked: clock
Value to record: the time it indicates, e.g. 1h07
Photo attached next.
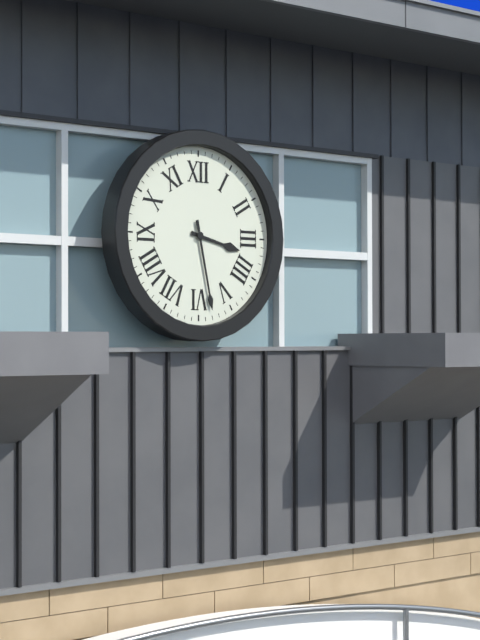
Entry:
3h28
